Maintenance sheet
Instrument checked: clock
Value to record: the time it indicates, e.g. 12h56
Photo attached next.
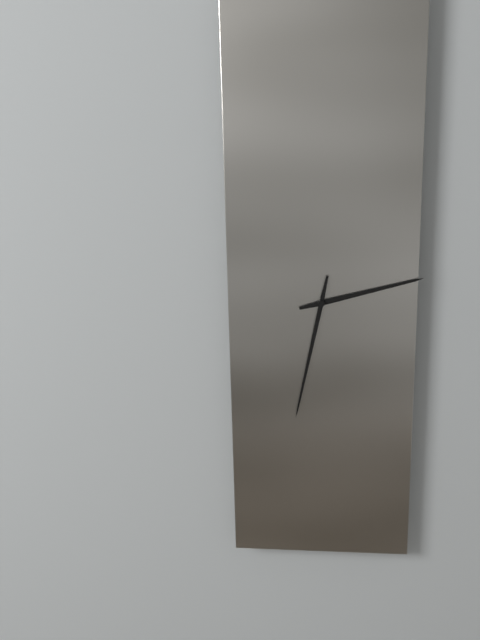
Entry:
2h32
